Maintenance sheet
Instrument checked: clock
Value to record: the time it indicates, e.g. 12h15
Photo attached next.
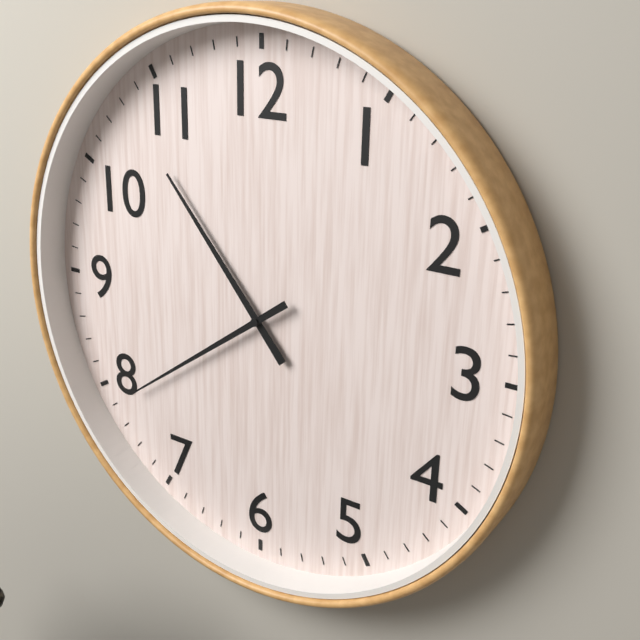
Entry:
10h39
